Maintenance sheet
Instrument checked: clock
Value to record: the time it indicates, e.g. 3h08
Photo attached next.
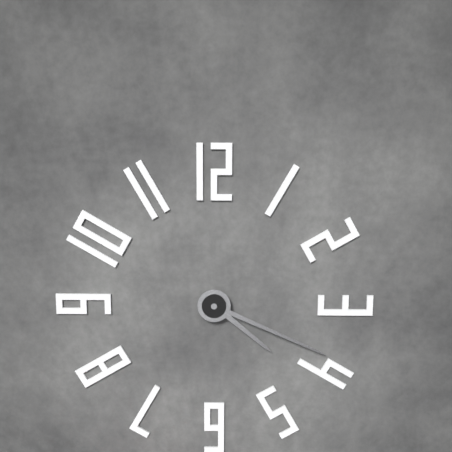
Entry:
4h19
